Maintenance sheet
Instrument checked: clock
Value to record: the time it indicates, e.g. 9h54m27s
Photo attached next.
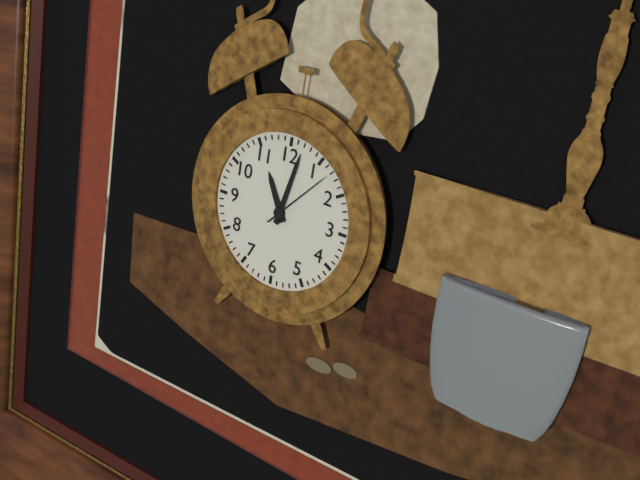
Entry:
11h02m07s
